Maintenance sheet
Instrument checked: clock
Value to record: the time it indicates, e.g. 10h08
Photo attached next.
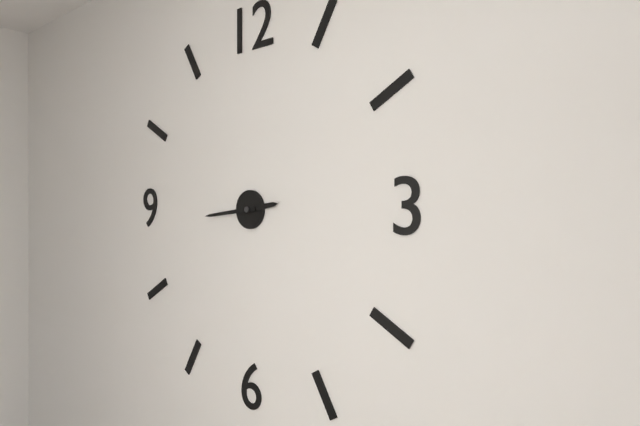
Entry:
2h44
